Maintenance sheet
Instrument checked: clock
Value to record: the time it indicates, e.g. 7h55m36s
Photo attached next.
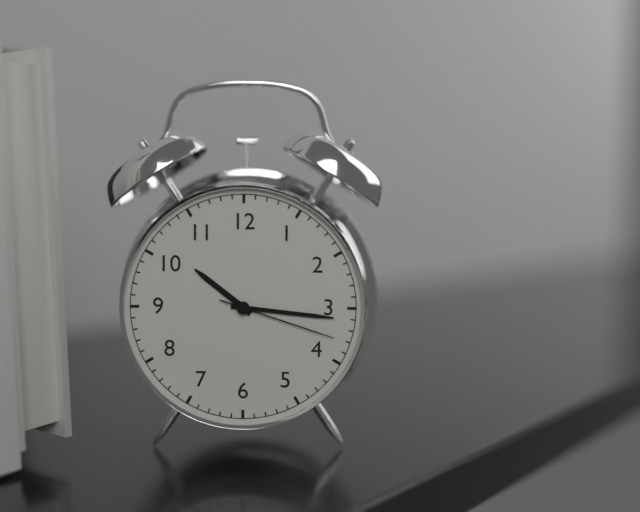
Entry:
10h16m18s
